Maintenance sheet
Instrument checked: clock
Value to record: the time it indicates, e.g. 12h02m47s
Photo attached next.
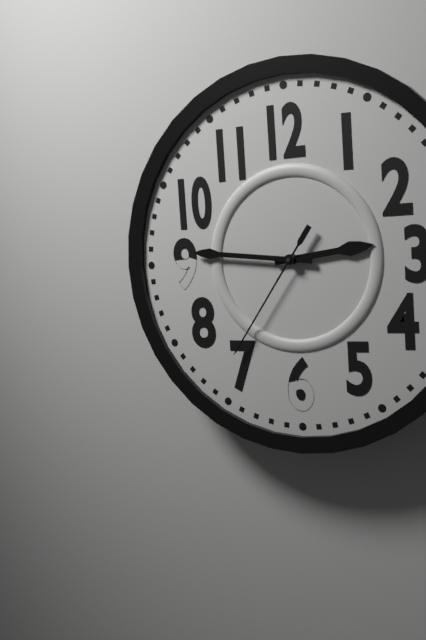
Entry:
2h46m36s
